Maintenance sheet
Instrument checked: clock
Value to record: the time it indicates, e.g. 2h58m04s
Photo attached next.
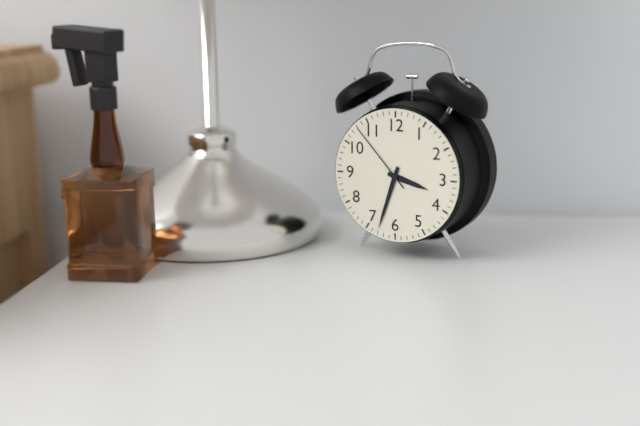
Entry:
3h33m53s
